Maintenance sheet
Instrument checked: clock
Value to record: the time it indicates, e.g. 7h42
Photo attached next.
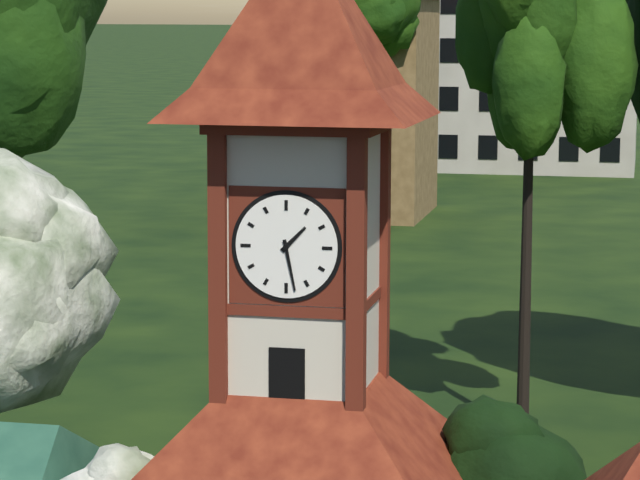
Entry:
1h28
